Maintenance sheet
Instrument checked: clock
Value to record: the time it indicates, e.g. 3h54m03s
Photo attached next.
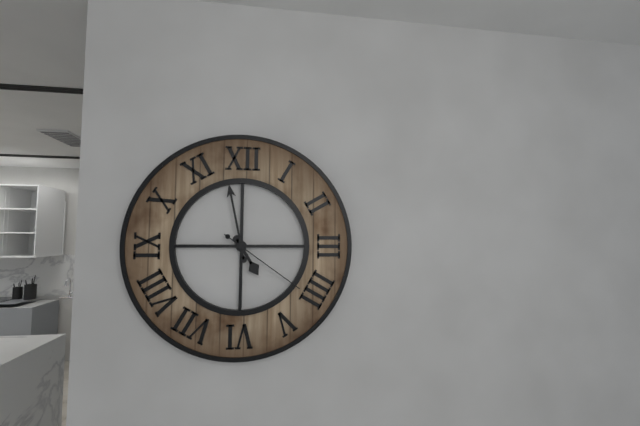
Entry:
4h58m21s
